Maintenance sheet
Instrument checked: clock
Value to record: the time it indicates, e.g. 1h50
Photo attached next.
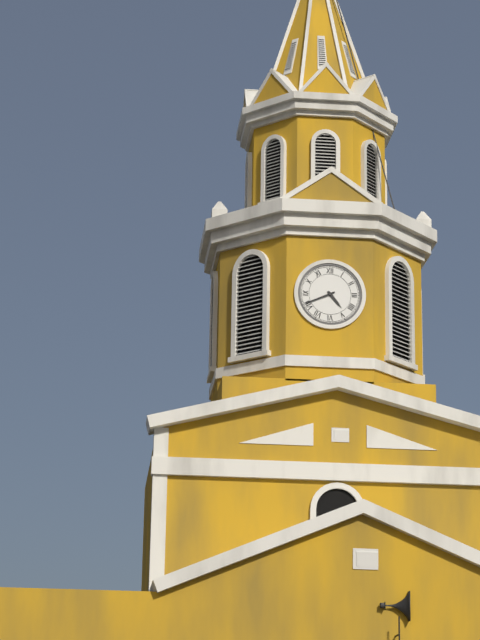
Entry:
4h41
